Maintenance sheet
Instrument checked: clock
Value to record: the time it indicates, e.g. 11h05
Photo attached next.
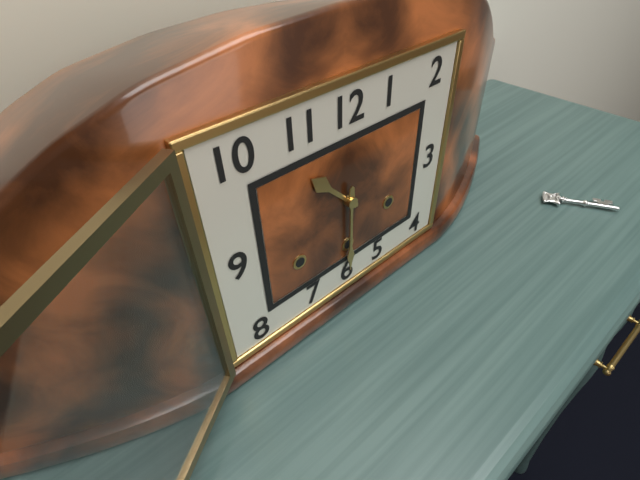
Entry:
10h30
